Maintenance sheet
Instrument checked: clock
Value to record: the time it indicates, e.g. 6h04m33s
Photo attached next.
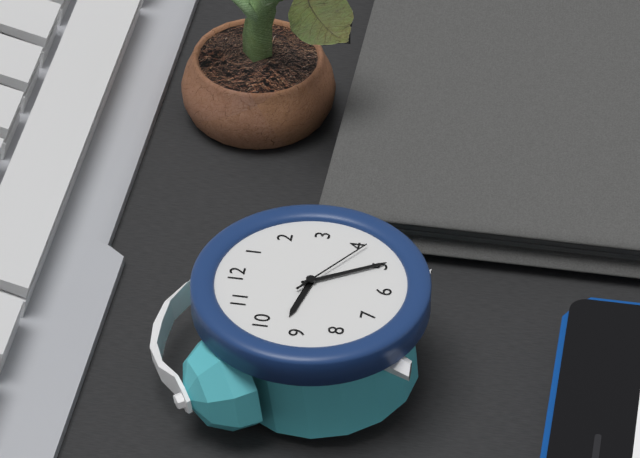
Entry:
9h25m21s
